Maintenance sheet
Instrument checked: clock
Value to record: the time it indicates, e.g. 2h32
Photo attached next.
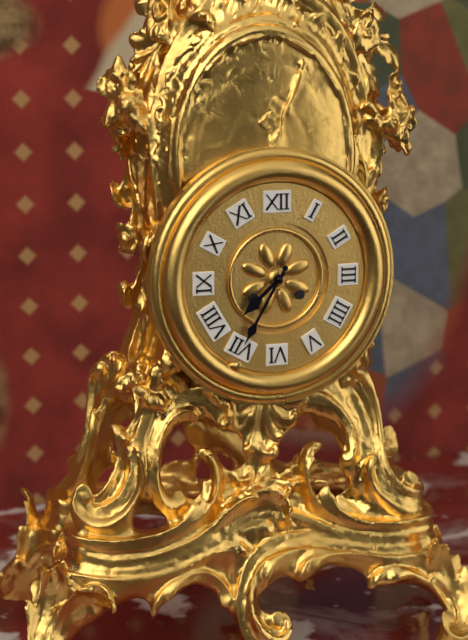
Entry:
7h35
